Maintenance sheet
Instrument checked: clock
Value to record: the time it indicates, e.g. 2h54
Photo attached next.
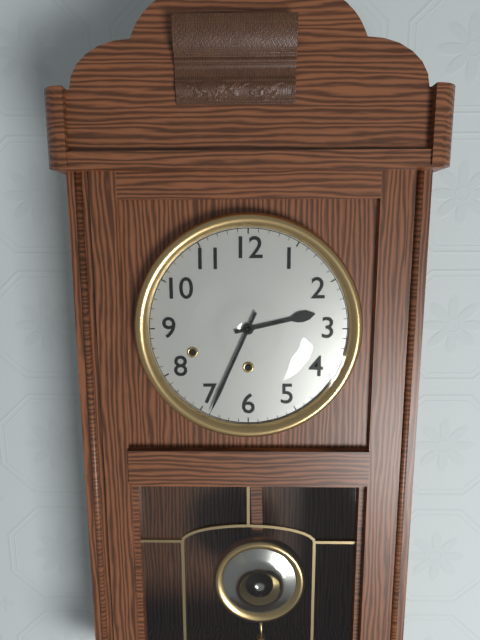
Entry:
2h34
